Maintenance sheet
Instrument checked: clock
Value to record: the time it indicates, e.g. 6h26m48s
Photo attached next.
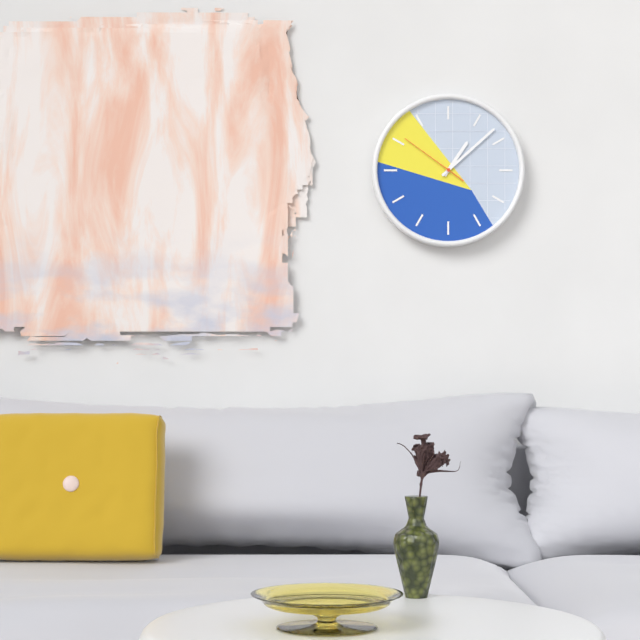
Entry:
1h08m51s
